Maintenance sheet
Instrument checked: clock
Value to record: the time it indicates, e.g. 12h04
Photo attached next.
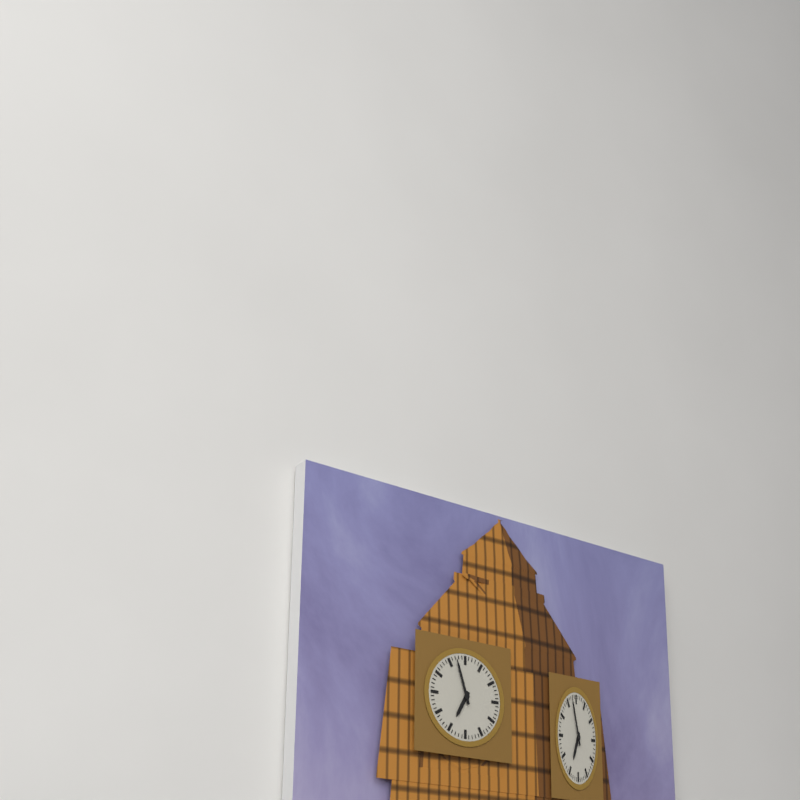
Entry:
6h57
